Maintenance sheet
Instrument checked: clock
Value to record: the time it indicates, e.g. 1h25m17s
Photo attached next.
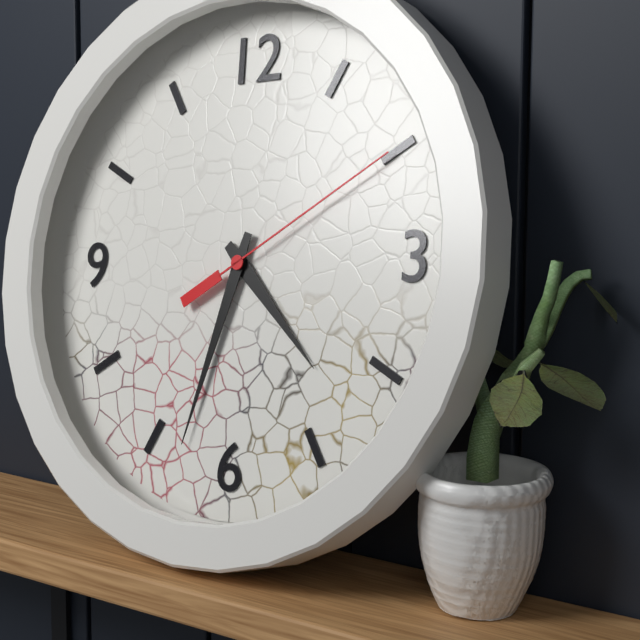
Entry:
4h33m10s
